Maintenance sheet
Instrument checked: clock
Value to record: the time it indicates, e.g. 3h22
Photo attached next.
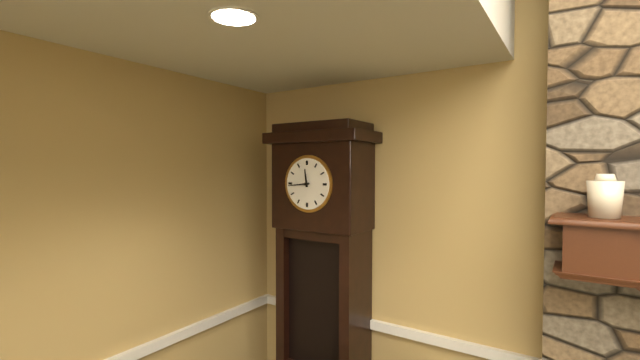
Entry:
11h44
